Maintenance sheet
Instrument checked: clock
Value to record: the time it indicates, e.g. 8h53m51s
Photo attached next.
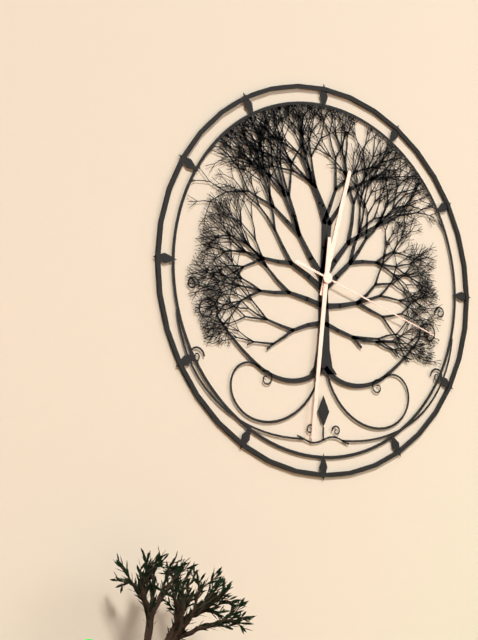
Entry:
12h31m18s
